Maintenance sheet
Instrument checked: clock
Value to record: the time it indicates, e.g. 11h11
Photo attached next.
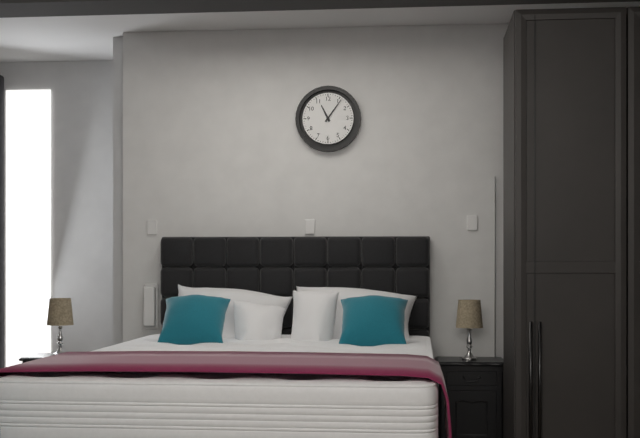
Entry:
11h06
